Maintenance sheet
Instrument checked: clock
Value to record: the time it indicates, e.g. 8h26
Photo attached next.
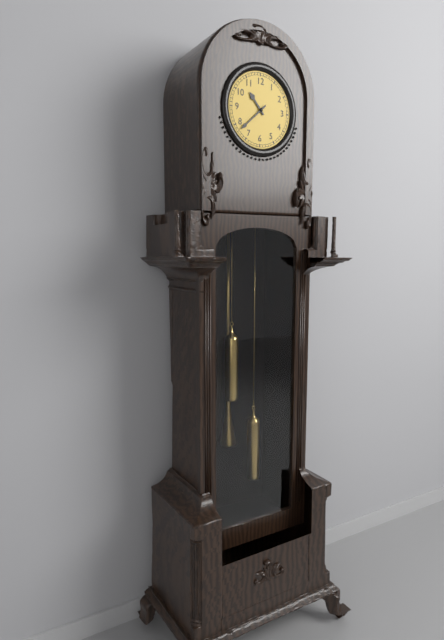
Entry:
10h38
